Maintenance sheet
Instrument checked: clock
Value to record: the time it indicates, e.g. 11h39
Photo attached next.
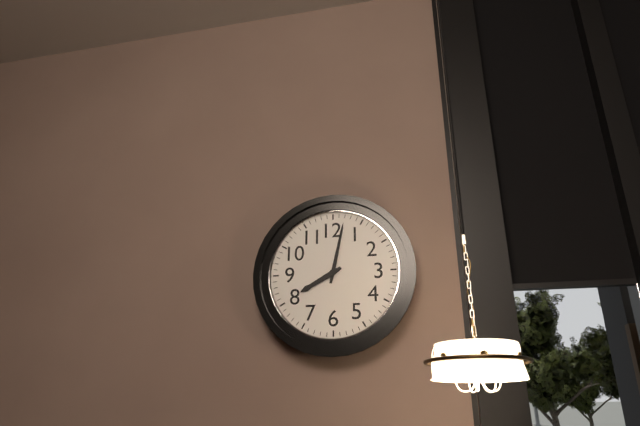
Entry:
8h02
